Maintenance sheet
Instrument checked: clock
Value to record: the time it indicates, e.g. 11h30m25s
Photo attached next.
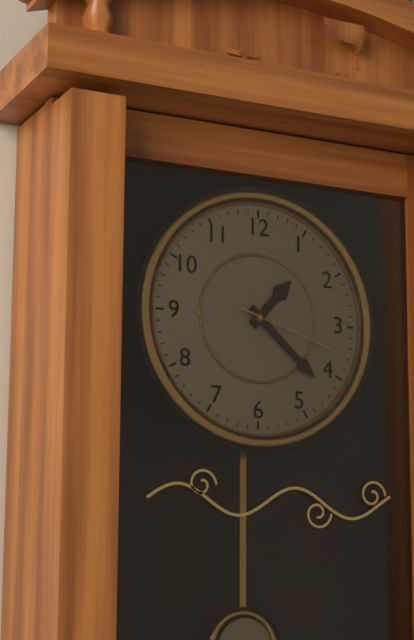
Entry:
1h22m18s
